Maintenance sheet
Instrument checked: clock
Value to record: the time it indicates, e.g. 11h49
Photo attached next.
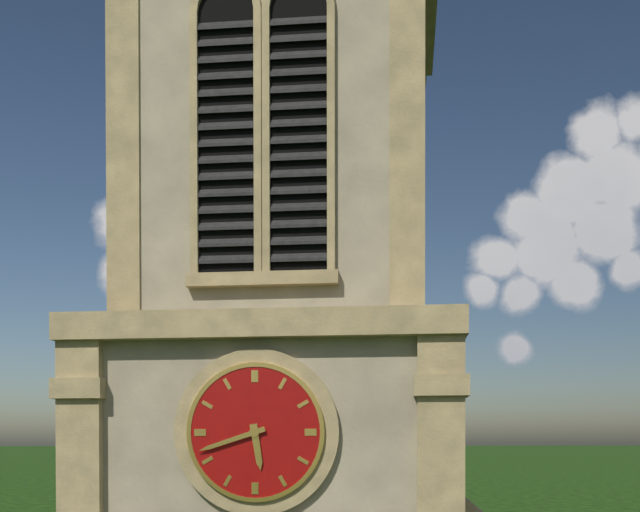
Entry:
5h42
